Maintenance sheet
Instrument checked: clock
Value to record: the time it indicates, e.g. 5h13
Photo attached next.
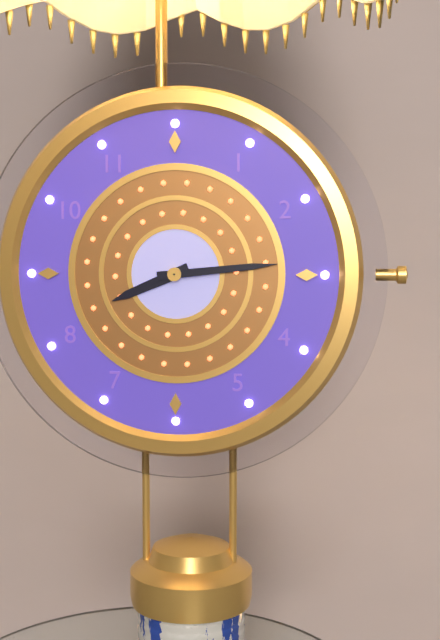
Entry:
8h14
